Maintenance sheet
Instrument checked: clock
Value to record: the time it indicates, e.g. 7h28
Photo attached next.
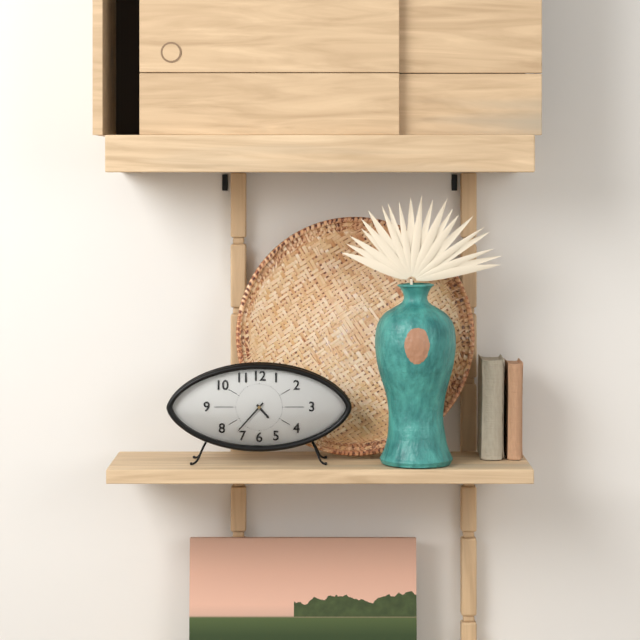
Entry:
4h37
